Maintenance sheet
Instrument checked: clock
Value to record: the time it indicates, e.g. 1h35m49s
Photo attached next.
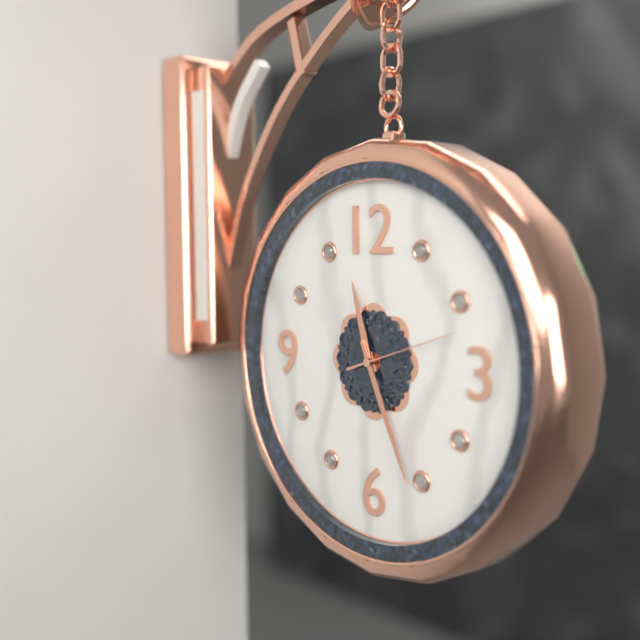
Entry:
11h26m12s
